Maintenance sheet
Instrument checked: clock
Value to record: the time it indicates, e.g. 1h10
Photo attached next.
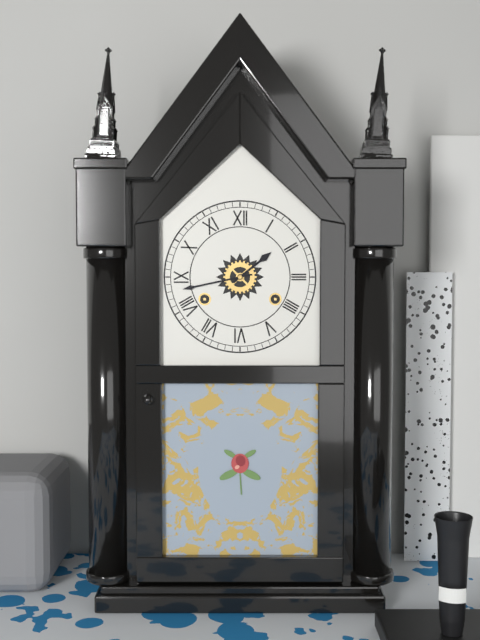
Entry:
1h43
